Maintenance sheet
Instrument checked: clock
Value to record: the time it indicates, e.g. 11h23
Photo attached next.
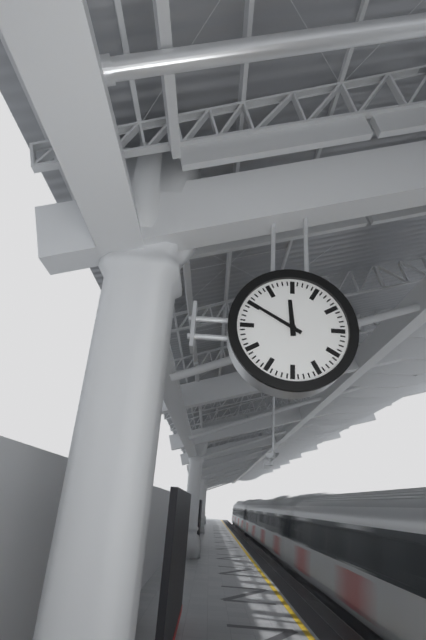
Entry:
11h50
